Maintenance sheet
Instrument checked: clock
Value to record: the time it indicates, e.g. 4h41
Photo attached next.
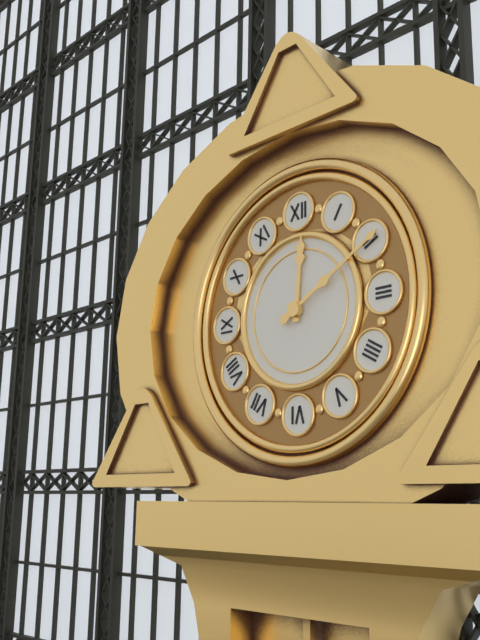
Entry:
12h10
